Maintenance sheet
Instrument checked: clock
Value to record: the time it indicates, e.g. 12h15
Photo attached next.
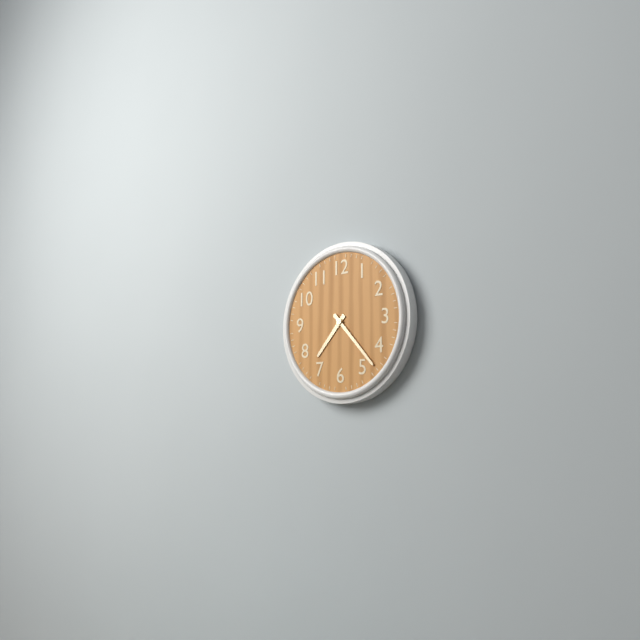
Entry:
7h23
